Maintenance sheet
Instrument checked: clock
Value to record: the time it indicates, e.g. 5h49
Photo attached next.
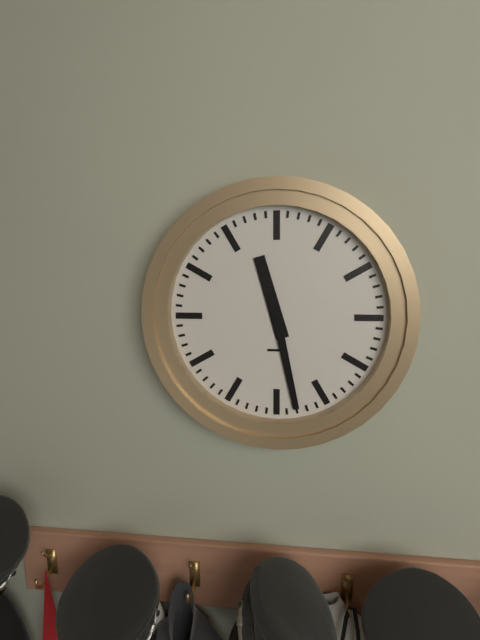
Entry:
11h28
